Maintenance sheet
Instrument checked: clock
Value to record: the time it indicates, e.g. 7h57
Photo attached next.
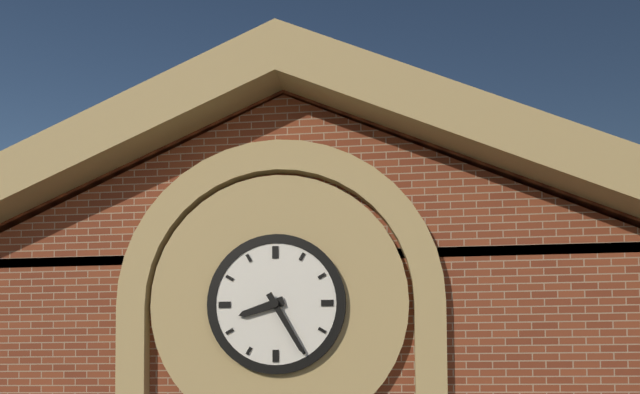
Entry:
8h25
